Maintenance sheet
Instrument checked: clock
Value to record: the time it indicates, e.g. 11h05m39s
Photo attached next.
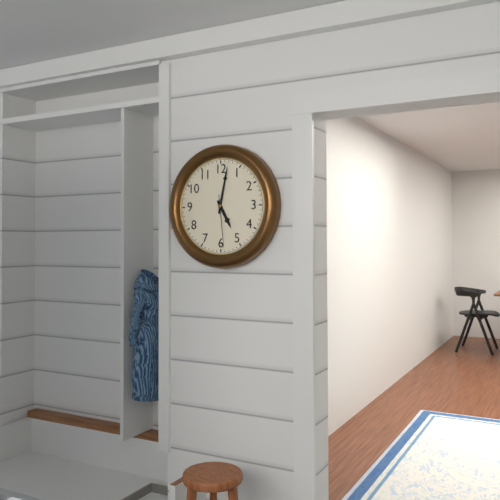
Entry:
5h02m29s
